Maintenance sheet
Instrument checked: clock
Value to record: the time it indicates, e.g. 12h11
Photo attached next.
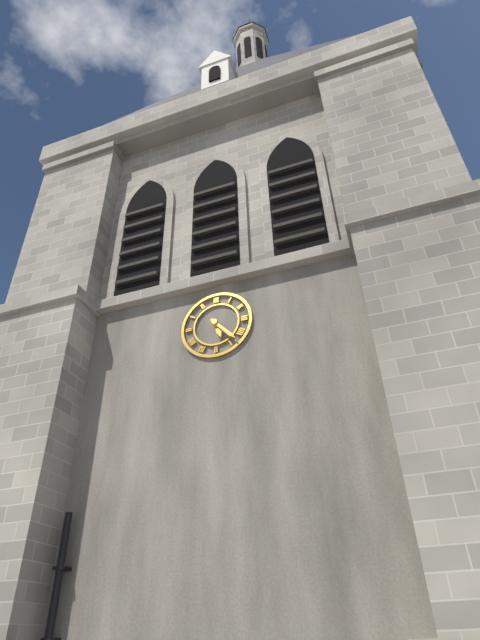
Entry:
5h23
